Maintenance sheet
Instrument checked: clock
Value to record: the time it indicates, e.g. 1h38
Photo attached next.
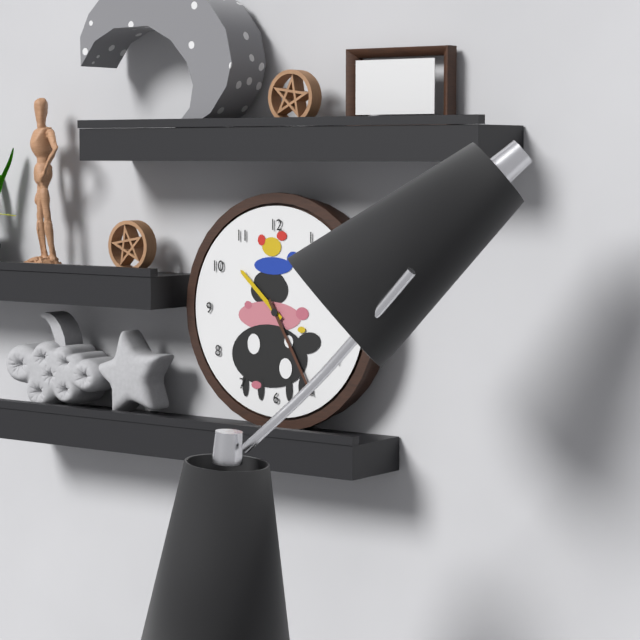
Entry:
10h25
